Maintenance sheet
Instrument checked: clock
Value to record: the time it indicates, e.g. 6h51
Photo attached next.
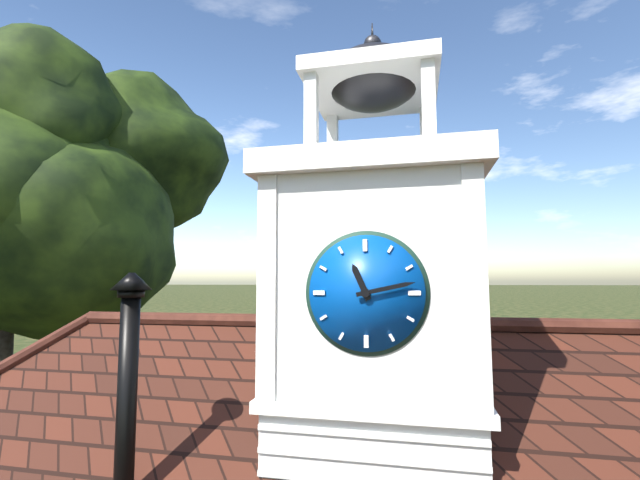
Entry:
11h13
